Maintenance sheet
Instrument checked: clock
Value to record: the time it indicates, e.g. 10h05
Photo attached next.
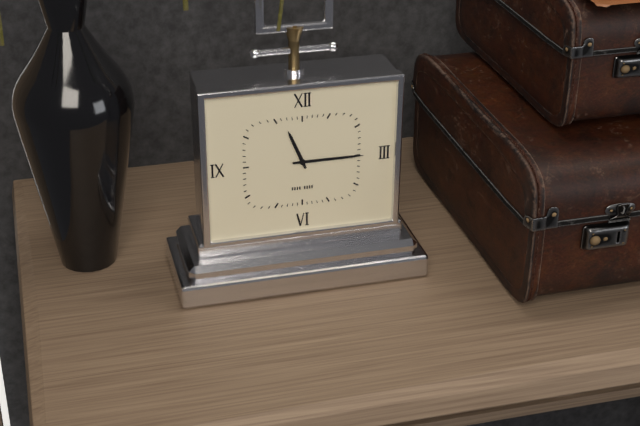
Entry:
11h15
